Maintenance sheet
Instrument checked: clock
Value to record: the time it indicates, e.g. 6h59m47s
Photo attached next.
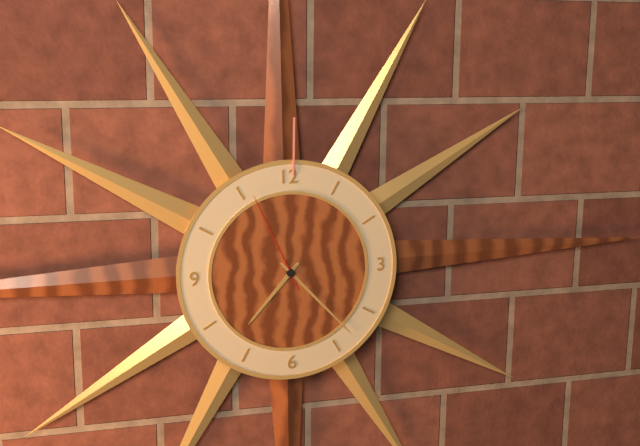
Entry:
7h23m56s
